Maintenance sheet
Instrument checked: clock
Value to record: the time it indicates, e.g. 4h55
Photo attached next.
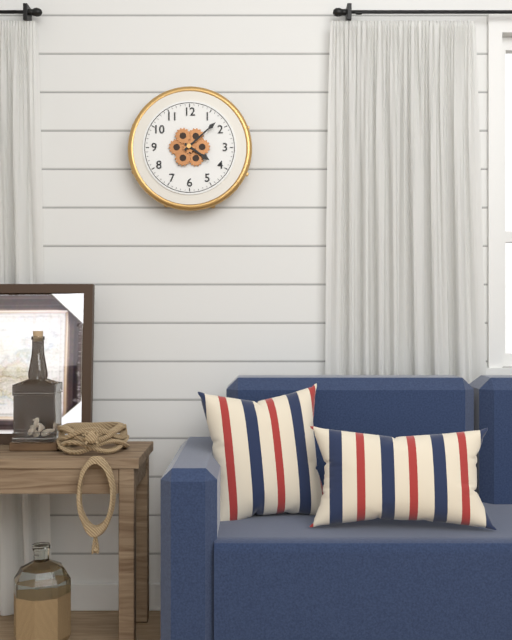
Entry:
4h08
